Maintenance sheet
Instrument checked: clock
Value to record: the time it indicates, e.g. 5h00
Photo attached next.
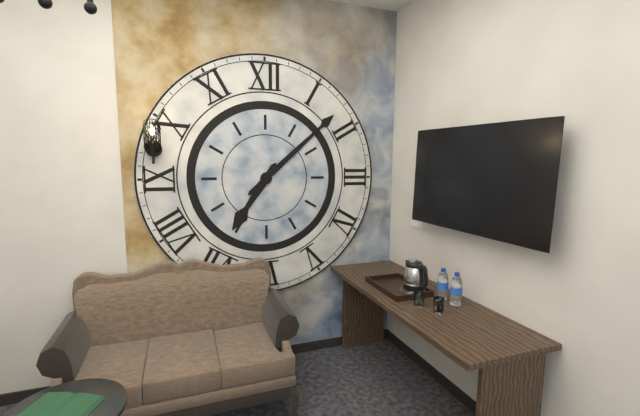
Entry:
7h08
